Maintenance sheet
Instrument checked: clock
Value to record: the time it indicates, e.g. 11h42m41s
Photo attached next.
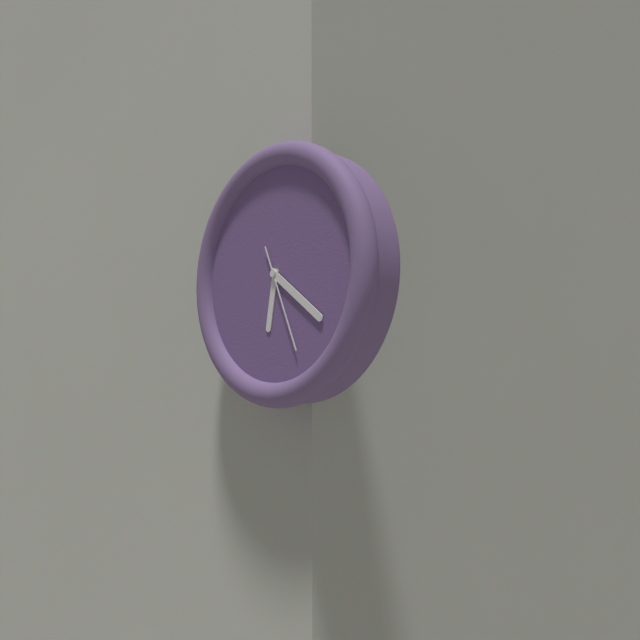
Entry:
6h21m26s
